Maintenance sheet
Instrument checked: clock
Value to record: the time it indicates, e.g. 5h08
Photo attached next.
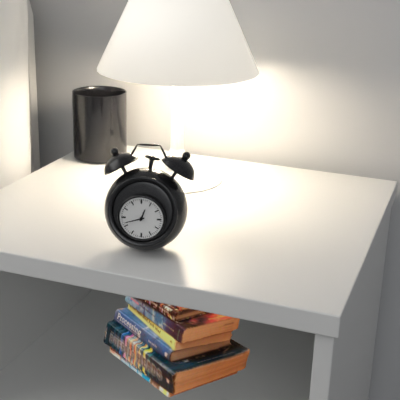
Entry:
12h42
